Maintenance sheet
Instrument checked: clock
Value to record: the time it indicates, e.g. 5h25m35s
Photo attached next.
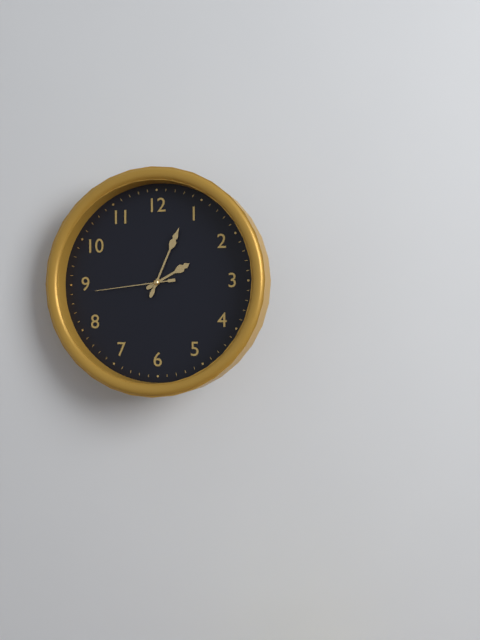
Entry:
2h04m44s
